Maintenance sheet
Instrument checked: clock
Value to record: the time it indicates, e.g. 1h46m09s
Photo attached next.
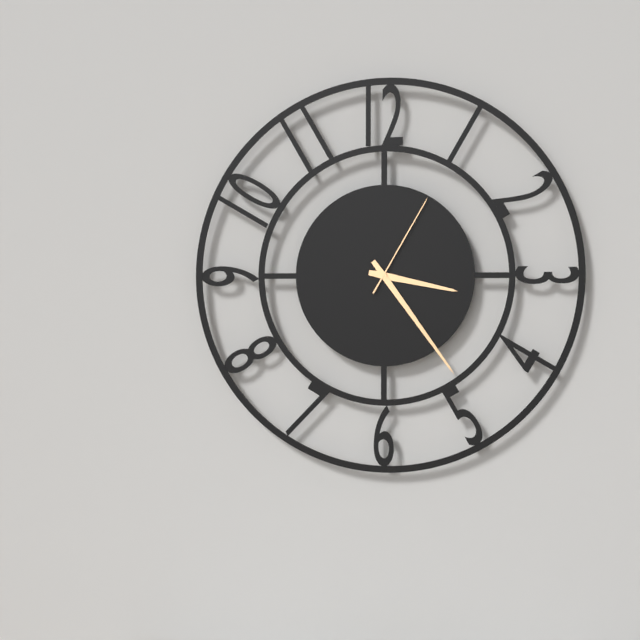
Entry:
3h24m05s
